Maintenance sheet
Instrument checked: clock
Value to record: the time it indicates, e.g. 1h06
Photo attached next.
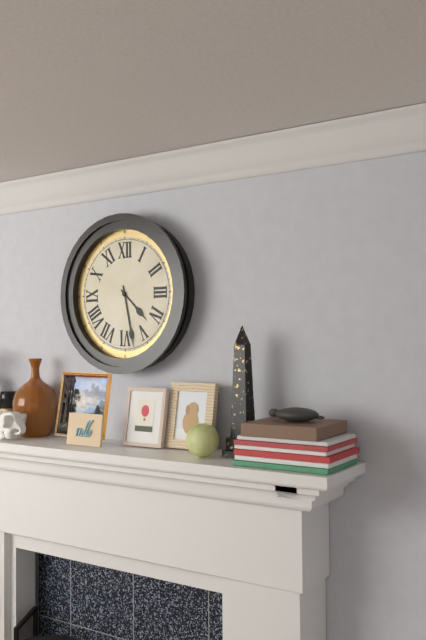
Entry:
4h28
